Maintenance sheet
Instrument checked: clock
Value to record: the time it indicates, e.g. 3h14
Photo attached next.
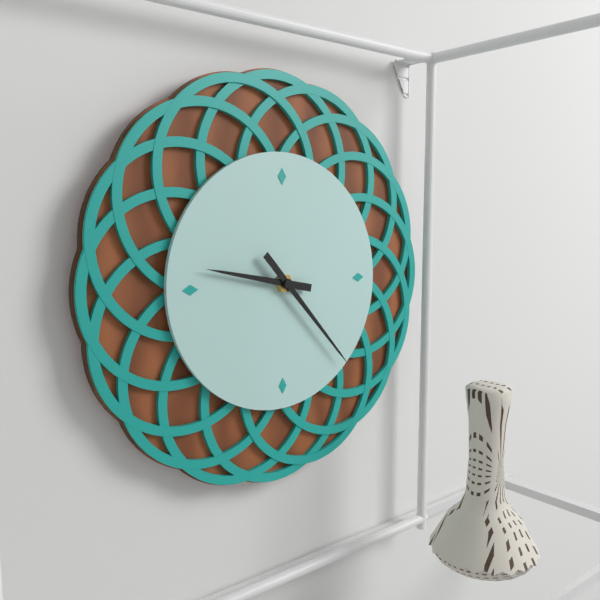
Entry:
9h23
